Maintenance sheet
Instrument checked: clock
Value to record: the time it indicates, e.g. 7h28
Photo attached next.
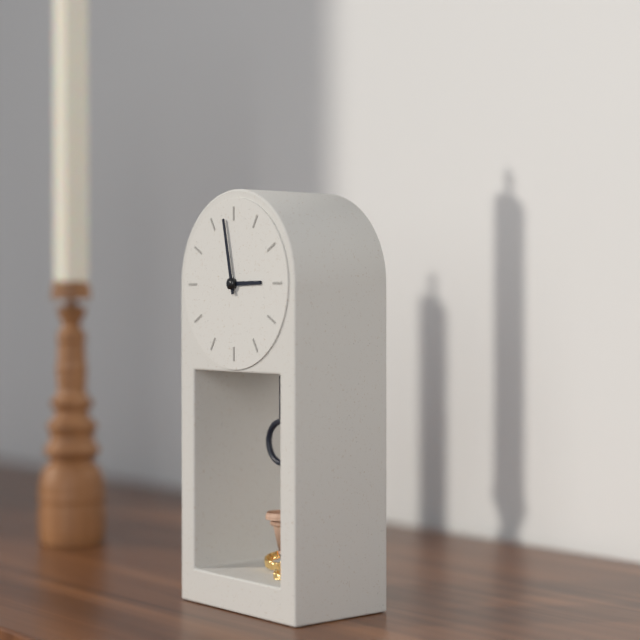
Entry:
2h58
